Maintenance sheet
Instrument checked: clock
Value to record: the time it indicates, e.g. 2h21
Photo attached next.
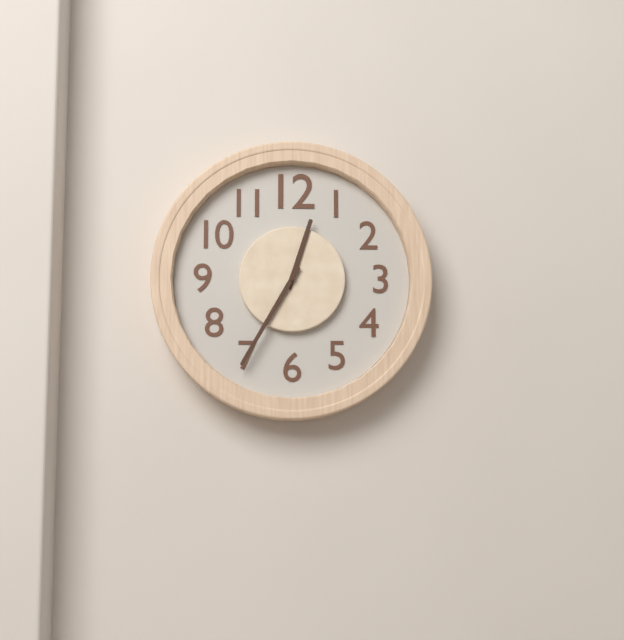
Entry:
12h35
